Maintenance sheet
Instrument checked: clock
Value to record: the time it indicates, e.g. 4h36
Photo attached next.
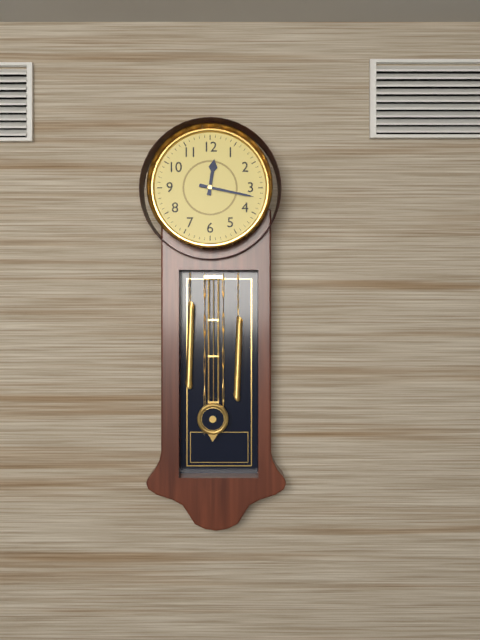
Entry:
12h17
